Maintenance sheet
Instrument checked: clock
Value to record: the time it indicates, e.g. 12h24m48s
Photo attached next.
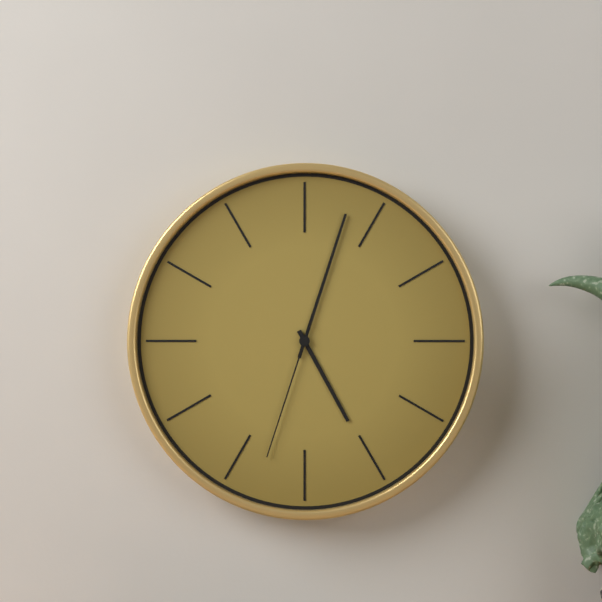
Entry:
5h03m33s
